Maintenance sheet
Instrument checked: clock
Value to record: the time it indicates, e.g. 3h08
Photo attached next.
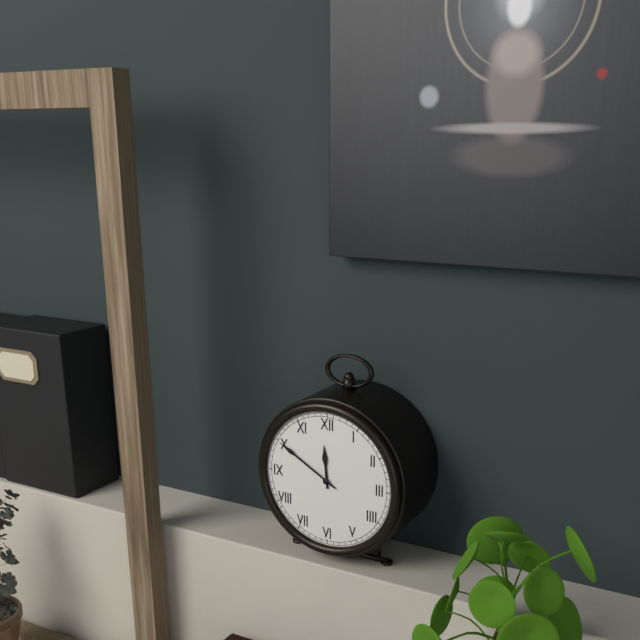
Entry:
11h50
